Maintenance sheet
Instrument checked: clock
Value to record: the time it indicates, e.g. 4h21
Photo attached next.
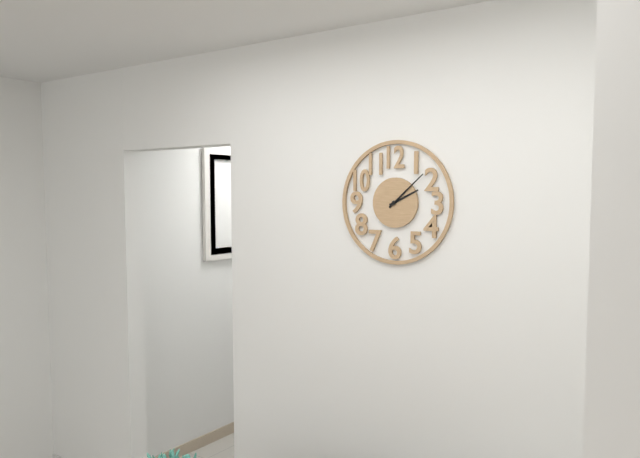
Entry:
2h08
